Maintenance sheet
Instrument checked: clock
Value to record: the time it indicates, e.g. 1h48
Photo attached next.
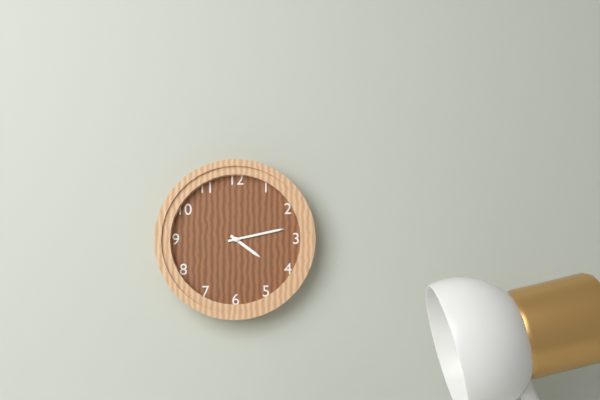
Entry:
4h13
